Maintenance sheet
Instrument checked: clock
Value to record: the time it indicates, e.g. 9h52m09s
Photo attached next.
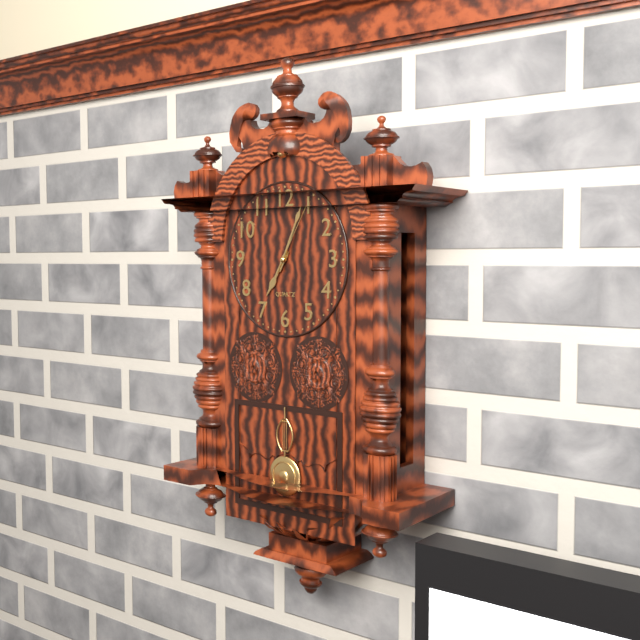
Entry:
7h04m05s
